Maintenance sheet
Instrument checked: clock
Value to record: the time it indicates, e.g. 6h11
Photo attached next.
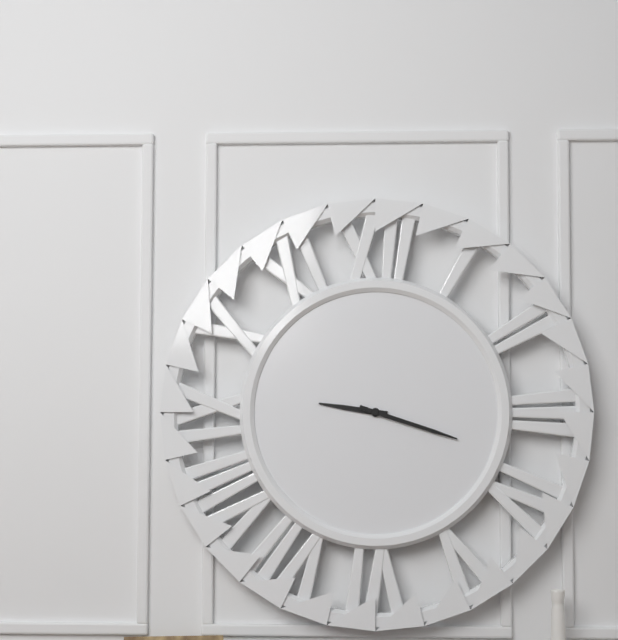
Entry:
9h18
